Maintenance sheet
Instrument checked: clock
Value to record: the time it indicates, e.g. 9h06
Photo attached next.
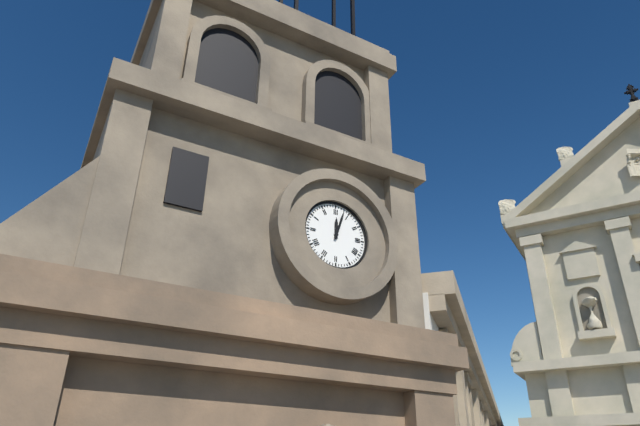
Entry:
12h03
